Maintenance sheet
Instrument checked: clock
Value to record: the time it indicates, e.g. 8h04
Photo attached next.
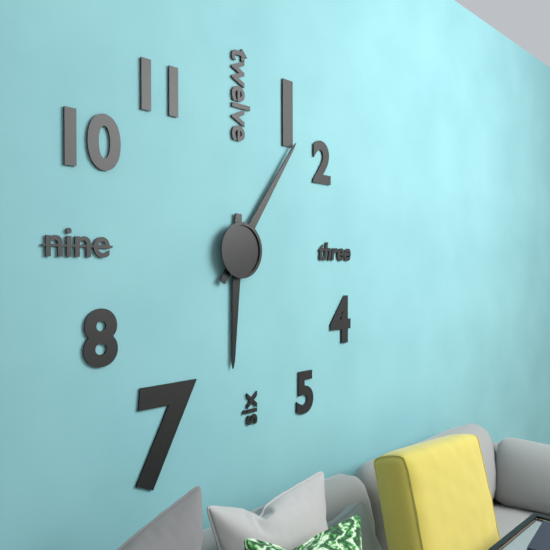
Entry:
6h06
